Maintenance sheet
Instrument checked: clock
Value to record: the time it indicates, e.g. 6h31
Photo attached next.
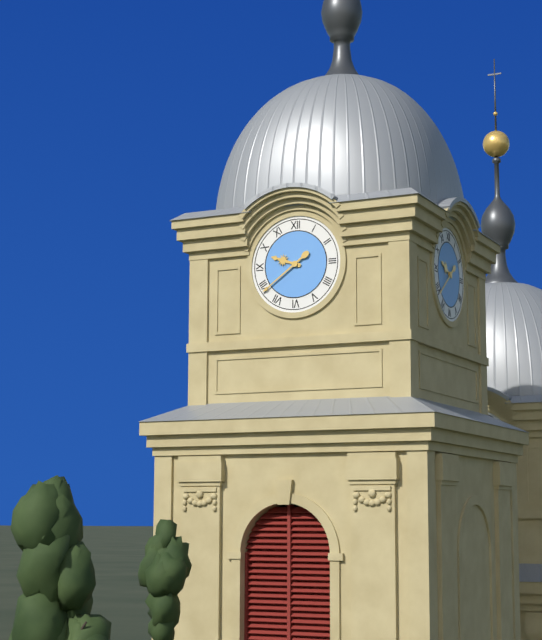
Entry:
9h39
